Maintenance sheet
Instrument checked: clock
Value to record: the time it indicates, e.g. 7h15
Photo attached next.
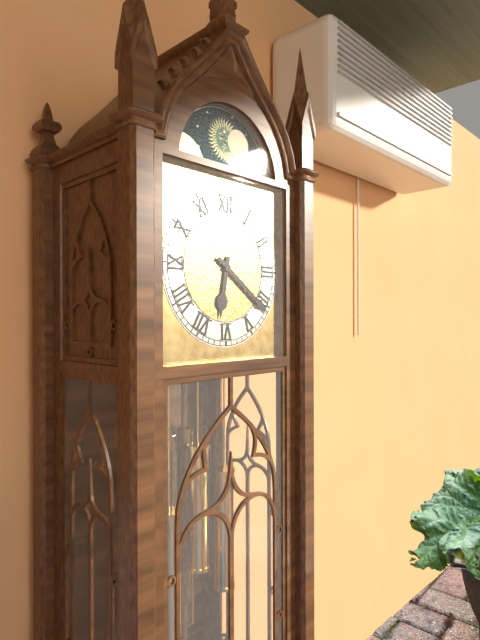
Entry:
6h21
